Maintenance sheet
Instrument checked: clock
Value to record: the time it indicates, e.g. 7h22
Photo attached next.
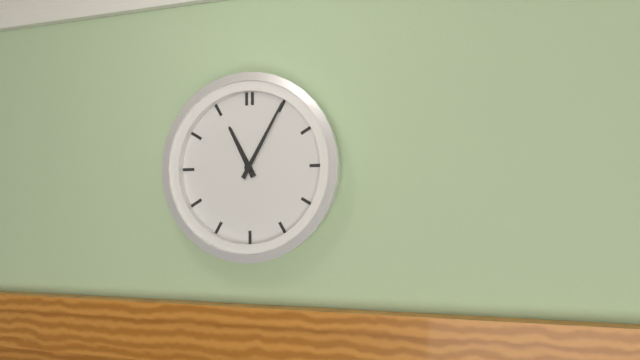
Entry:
11h05
